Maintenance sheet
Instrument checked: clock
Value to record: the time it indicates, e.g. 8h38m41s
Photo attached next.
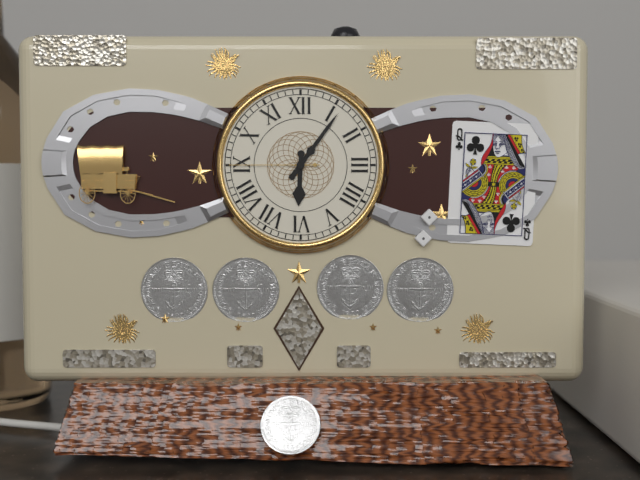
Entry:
6h06m45s
